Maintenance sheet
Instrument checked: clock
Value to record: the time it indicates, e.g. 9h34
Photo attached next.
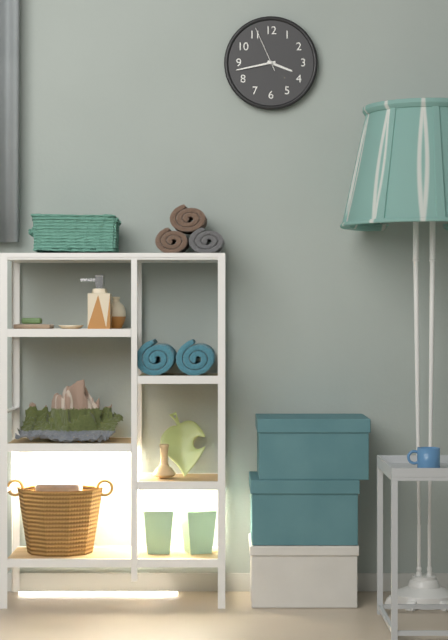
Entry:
3h43
